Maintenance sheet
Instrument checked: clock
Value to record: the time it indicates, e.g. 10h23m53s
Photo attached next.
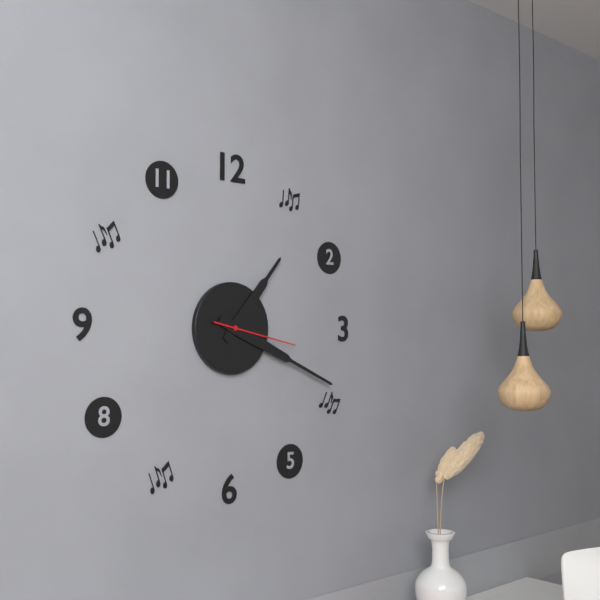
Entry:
1h19m17s
